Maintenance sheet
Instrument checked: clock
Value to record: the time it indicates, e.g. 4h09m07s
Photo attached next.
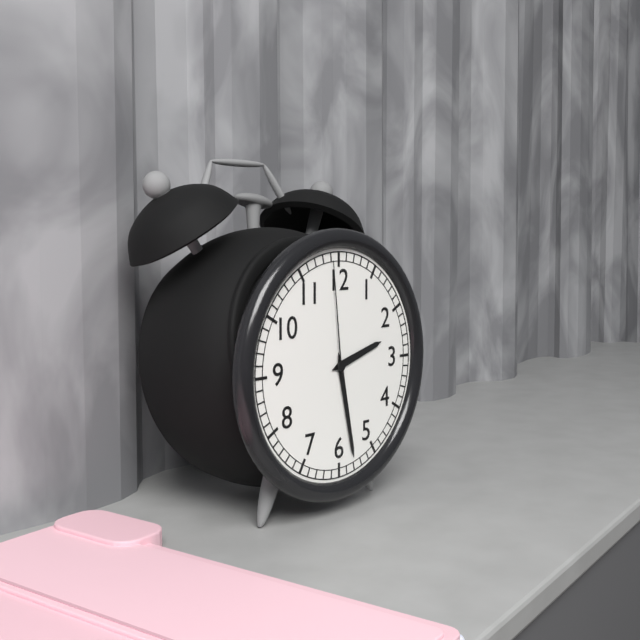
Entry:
2h28m59s
